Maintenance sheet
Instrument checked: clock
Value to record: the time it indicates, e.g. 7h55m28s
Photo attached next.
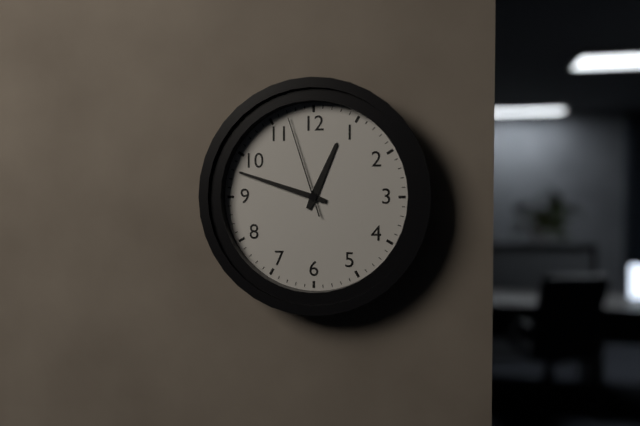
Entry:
12h48m57s
